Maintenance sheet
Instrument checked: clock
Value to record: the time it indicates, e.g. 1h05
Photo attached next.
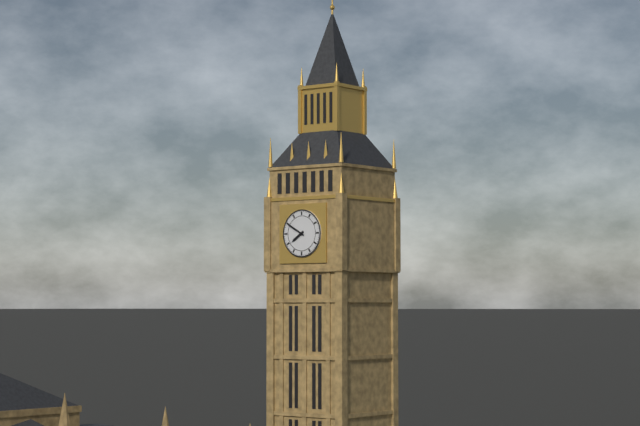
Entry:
7h50
